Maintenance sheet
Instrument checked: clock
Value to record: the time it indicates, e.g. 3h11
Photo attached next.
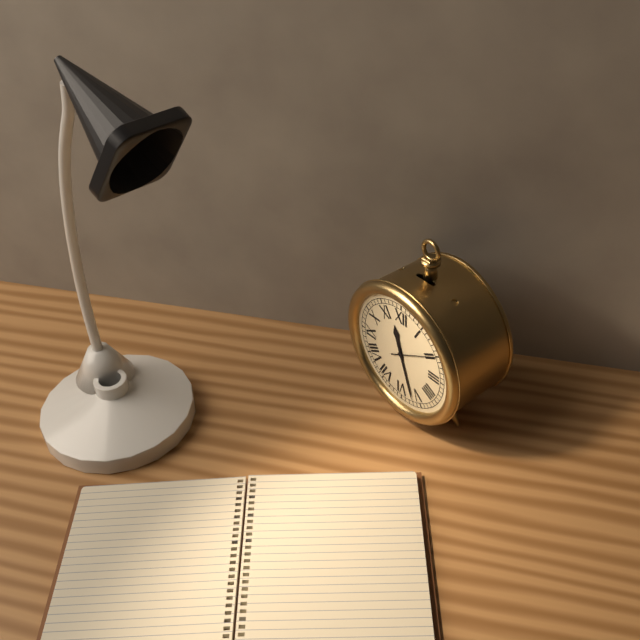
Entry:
11h27
